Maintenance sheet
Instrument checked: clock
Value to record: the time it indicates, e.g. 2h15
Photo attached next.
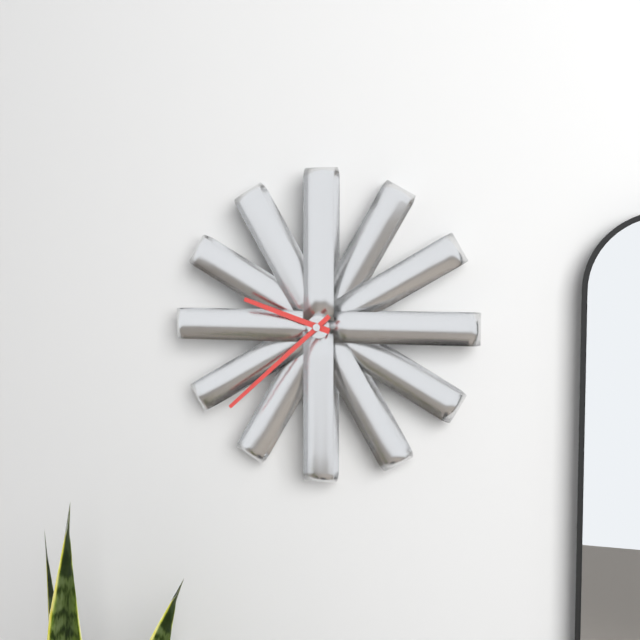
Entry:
9h38
